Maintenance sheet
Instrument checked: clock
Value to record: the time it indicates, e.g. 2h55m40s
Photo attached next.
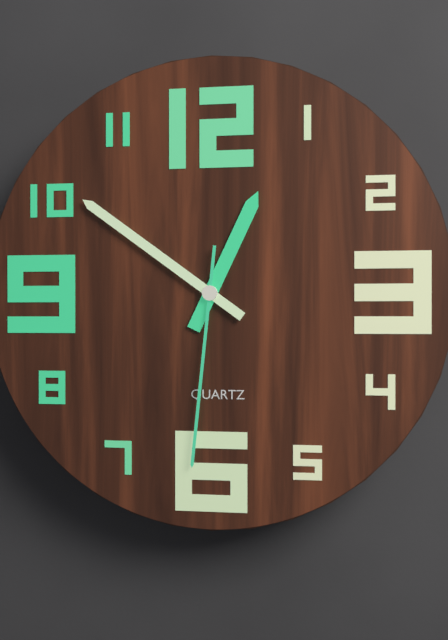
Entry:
12h51m31s
